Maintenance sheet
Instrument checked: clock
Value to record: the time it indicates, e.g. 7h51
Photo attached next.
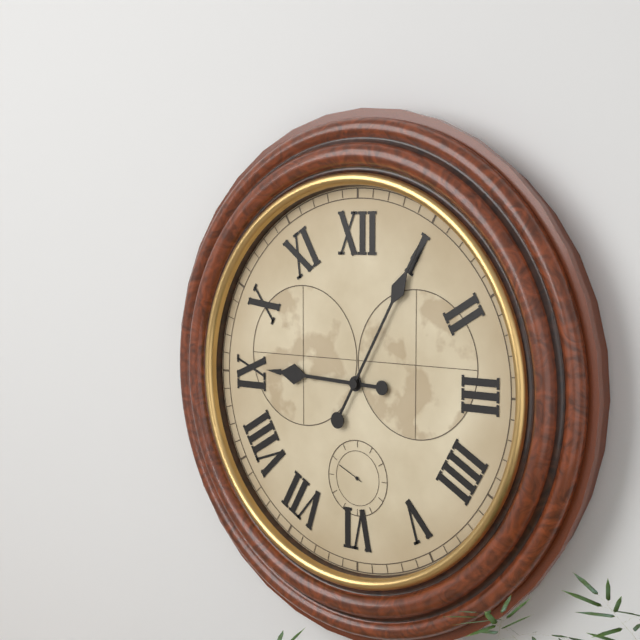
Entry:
9h05
